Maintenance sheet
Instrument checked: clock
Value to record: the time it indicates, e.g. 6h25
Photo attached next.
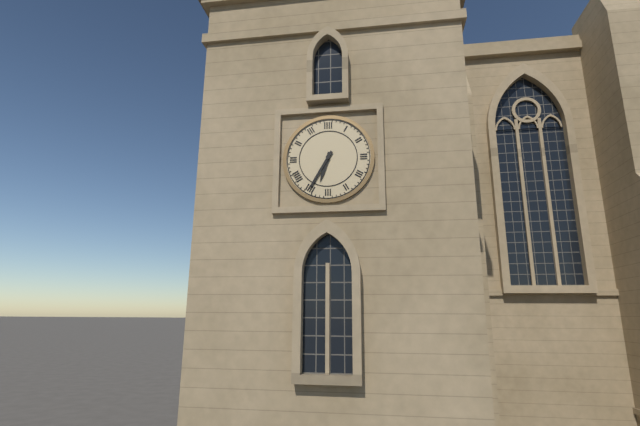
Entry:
6h35
